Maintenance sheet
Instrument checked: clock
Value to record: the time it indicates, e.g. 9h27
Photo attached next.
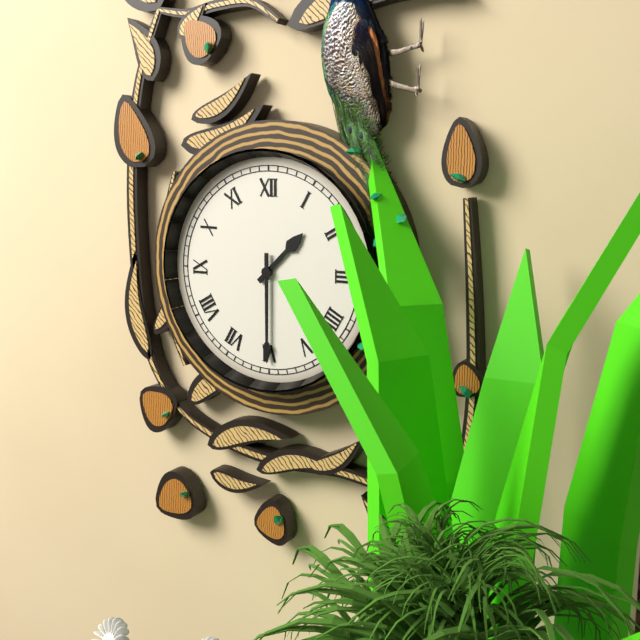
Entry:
1h30
